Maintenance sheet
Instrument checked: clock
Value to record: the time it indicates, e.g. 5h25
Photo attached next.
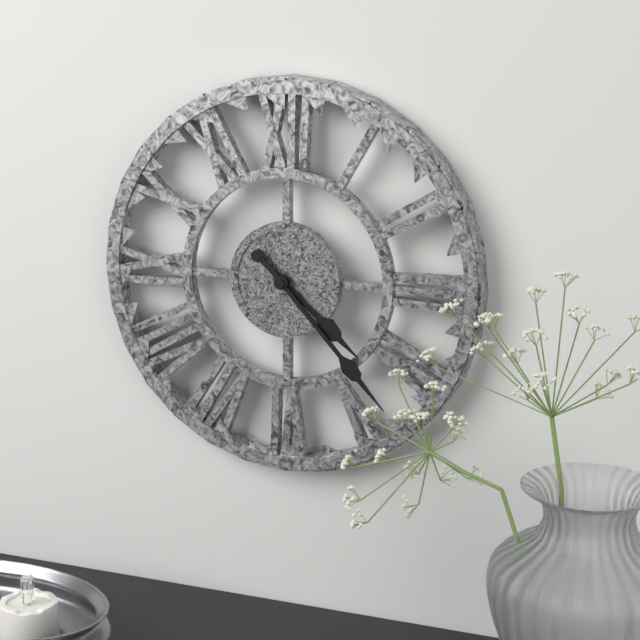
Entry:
4h23
